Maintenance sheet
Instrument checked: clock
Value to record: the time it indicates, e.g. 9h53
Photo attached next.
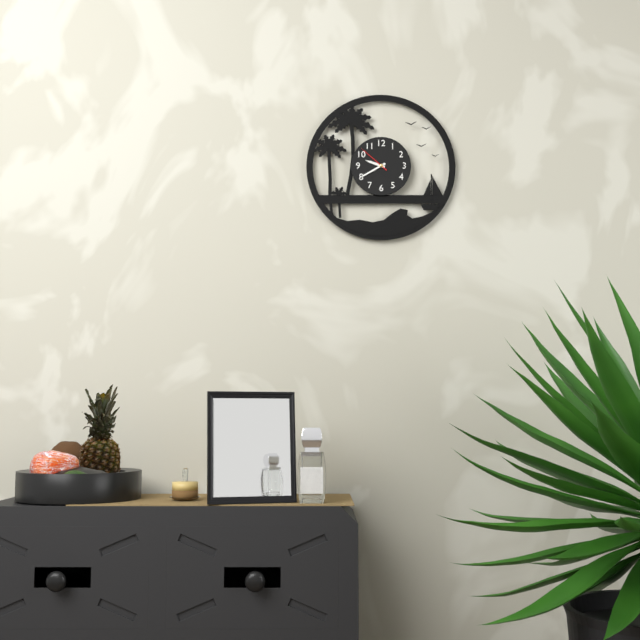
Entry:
9h40
